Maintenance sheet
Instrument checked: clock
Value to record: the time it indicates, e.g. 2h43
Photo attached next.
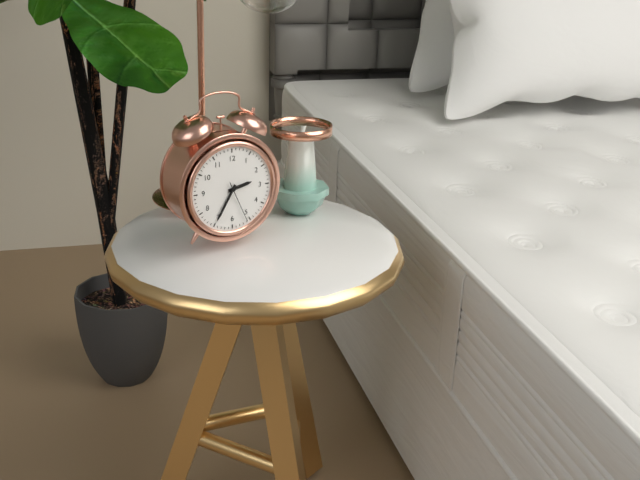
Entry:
2h35
